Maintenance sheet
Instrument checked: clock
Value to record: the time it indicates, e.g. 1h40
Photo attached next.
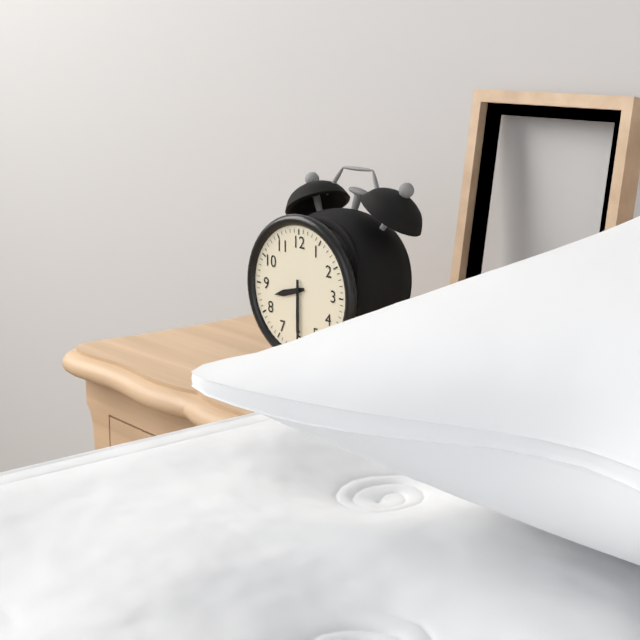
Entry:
8h30
